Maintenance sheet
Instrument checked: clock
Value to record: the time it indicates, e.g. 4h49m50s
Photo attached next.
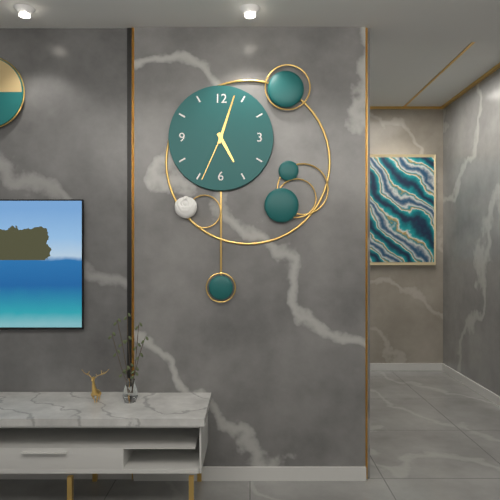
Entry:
5h03m34s
